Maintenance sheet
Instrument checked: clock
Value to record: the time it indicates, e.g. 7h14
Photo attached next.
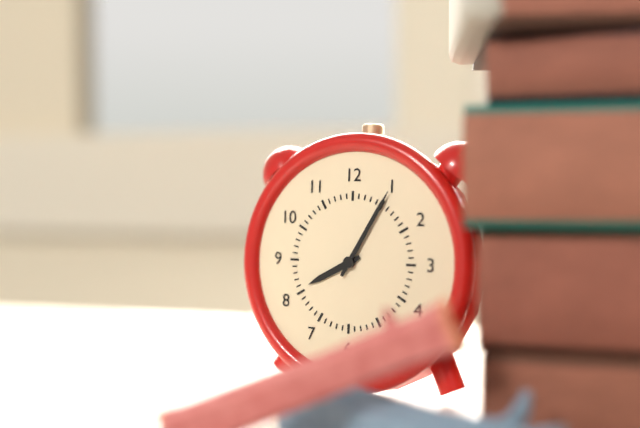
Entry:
8h05
